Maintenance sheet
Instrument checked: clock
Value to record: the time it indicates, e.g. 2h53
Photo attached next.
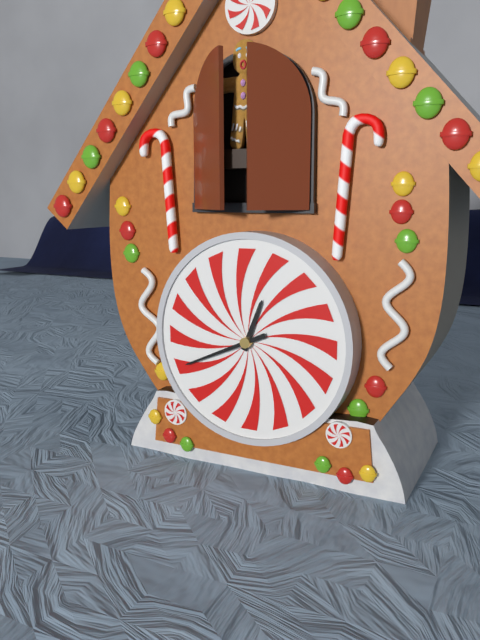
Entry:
12h41
